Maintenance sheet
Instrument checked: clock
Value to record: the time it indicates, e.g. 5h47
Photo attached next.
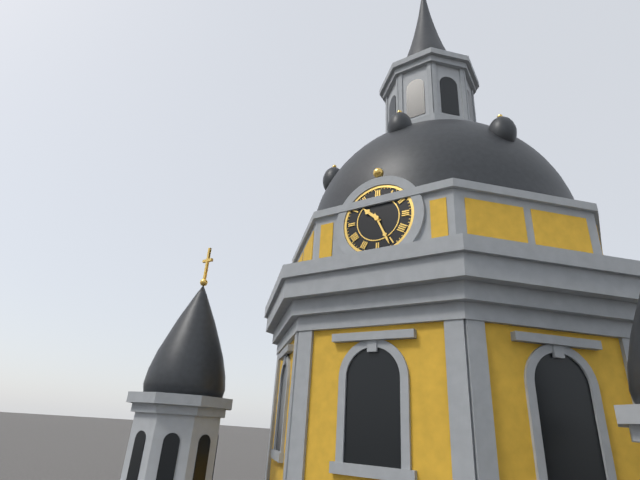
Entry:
10h26
